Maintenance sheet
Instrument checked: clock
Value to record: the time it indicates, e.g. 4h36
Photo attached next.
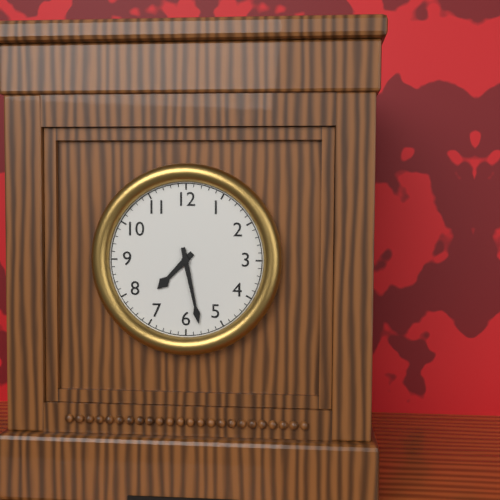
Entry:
7h28
